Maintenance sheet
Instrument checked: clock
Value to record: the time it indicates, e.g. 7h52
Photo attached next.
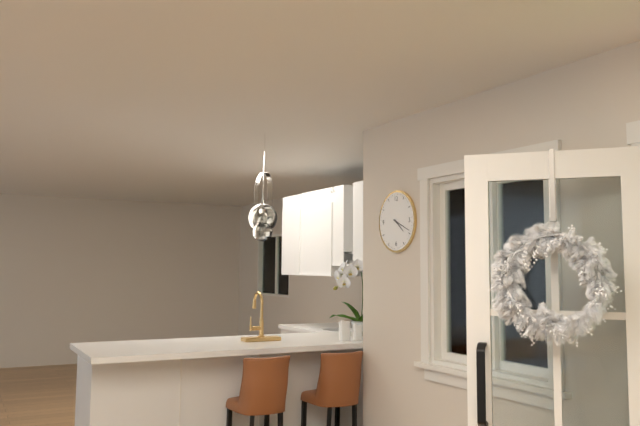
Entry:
4h19
